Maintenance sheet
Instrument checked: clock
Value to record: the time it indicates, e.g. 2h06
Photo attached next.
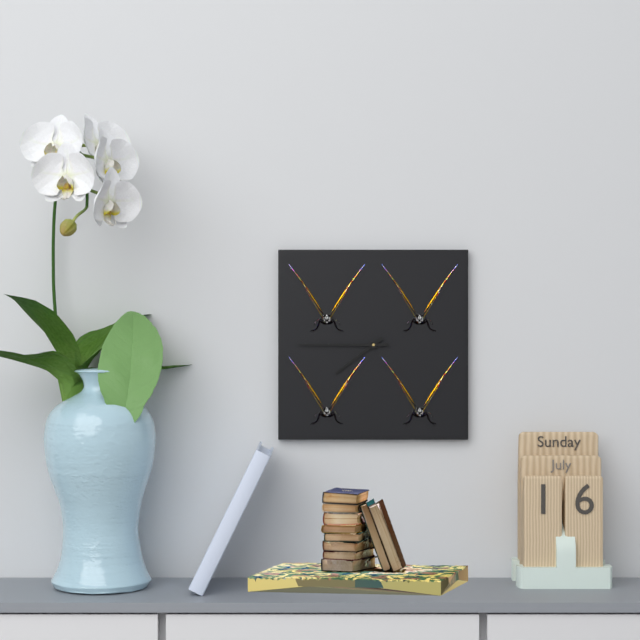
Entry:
7h45
